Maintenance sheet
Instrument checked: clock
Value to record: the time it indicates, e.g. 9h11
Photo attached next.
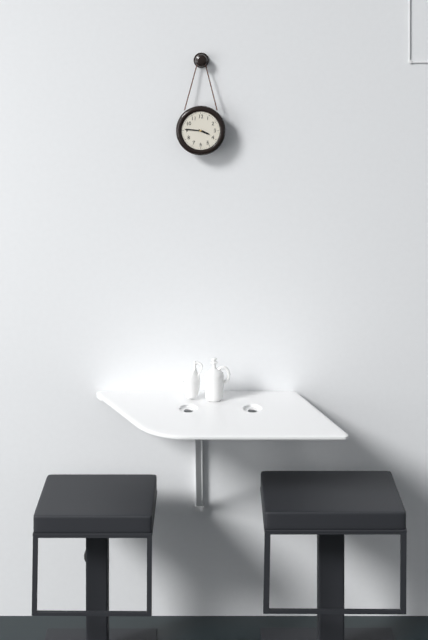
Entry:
3h46
